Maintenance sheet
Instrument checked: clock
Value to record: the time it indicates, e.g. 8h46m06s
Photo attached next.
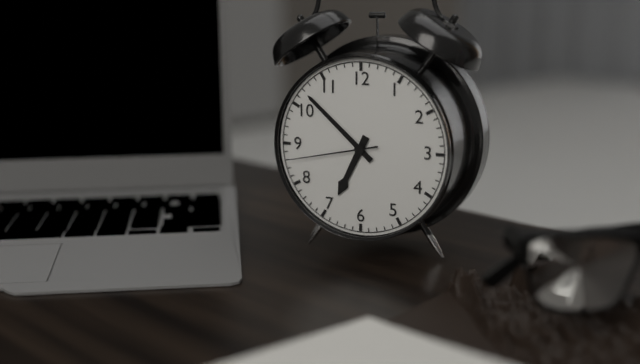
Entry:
6h52m43s
